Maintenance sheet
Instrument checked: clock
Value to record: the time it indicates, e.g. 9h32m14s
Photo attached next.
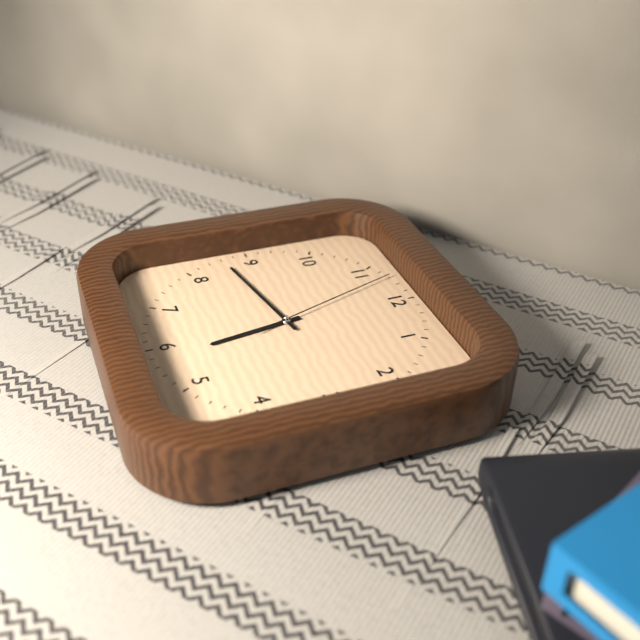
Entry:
5h43m57s
